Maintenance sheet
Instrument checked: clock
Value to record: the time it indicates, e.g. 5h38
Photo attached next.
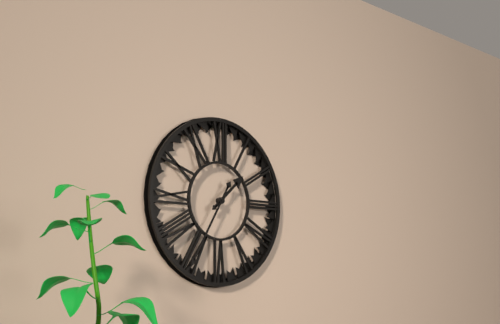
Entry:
1h35
